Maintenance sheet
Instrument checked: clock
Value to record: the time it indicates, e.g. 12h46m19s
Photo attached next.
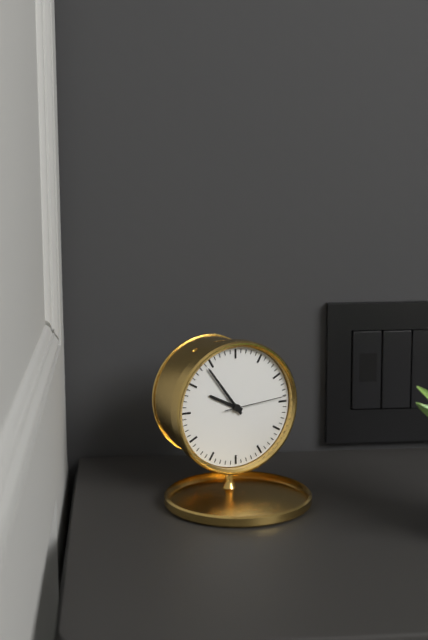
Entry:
9h54m14s
